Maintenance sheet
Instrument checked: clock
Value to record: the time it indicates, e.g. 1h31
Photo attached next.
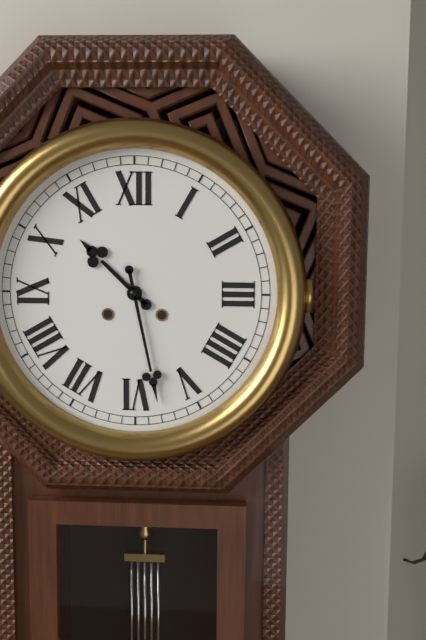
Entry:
10h28
